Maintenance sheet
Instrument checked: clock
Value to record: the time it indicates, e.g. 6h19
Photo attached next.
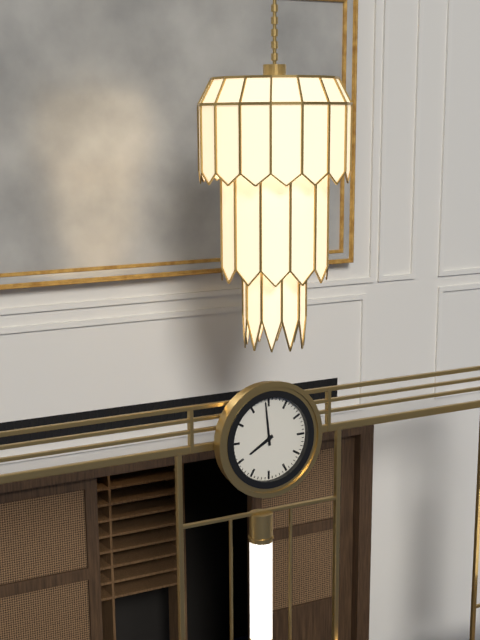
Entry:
7h59
